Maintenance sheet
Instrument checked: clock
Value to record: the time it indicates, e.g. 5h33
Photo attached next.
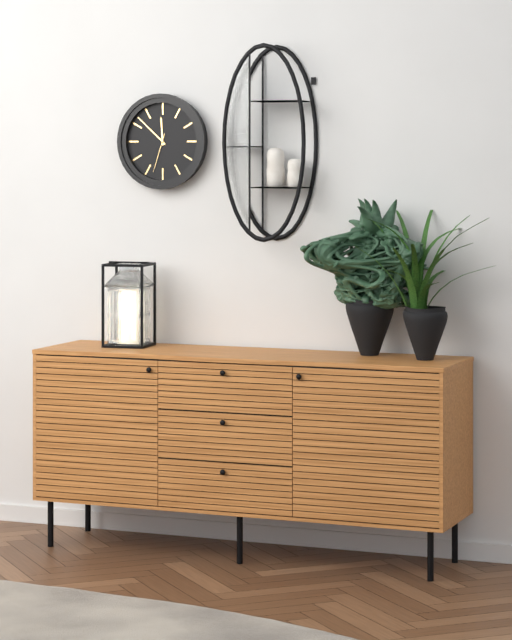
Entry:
11h52
